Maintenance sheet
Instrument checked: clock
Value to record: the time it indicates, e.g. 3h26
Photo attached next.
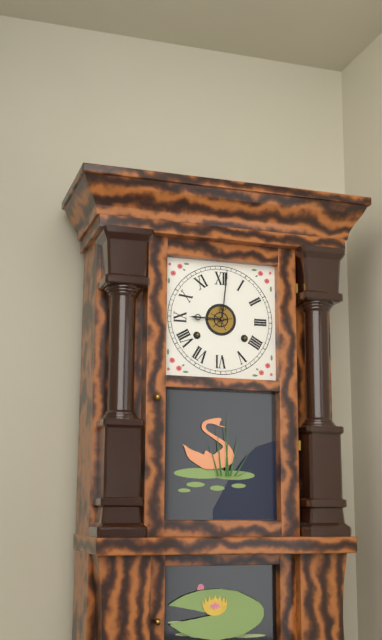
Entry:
9h01
